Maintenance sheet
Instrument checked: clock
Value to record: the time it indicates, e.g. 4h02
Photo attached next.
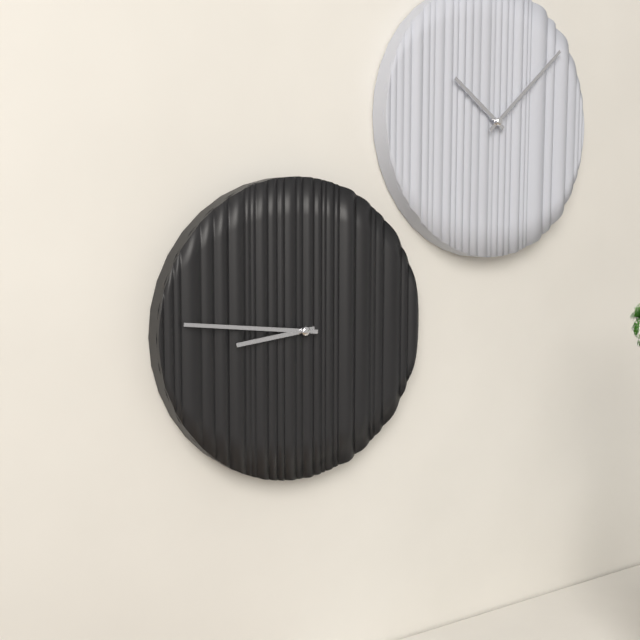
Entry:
8h46
